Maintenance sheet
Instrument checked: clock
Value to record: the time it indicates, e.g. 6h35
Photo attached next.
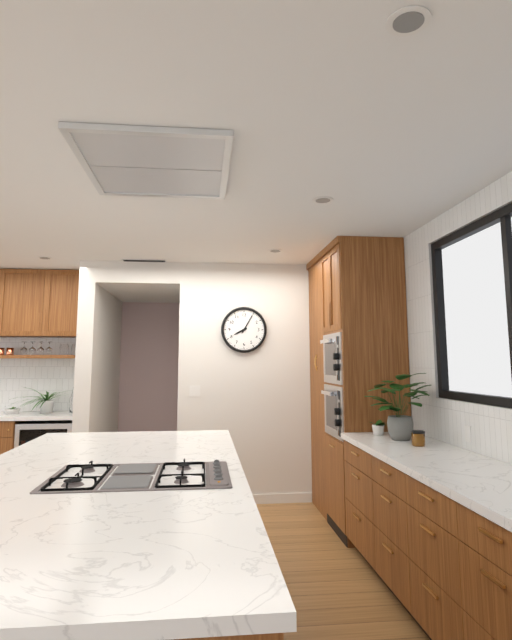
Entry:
8h05
